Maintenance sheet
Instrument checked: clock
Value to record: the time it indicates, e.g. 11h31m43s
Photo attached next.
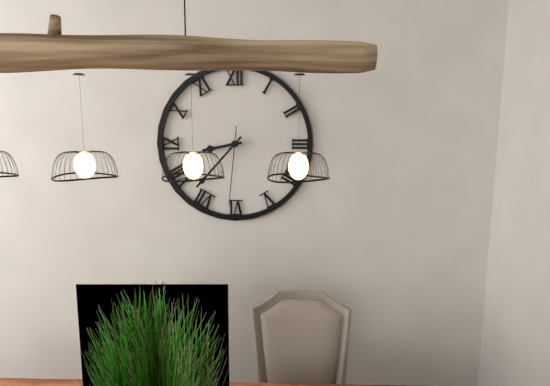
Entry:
8h37m31s
